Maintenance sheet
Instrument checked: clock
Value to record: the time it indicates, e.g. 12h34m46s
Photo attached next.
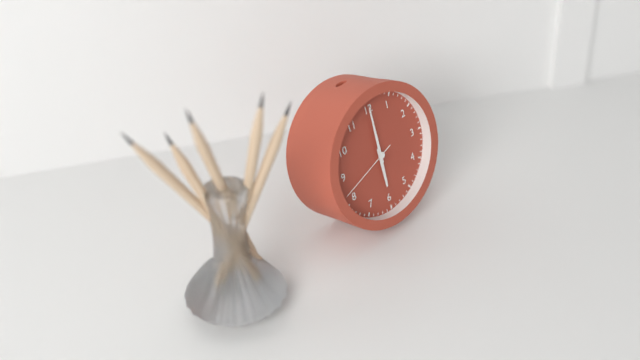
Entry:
6h00m42s
